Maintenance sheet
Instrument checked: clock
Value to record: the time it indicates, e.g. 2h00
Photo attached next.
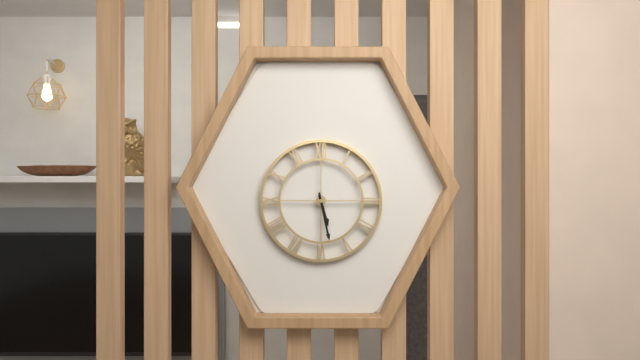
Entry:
5h28
